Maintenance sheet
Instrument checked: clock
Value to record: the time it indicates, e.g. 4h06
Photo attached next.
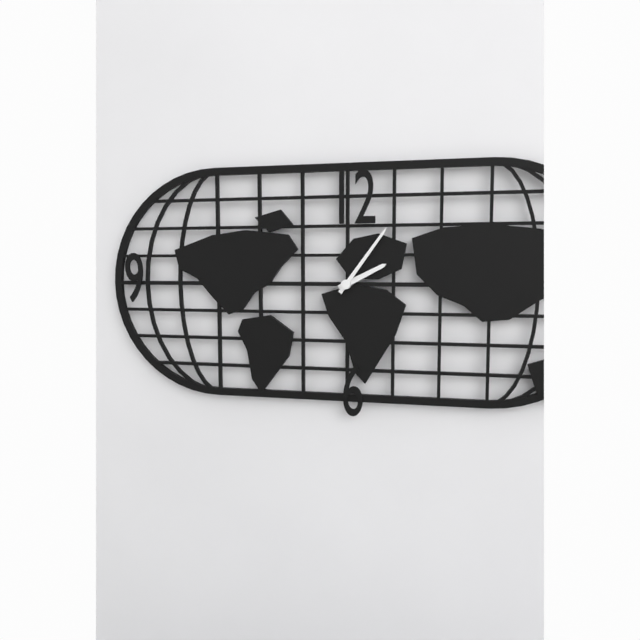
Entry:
2h06
